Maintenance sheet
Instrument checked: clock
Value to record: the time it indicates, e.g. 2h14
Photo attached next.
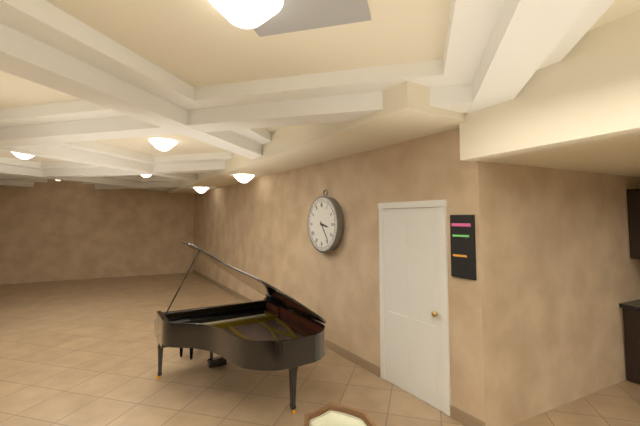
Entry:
3h24
